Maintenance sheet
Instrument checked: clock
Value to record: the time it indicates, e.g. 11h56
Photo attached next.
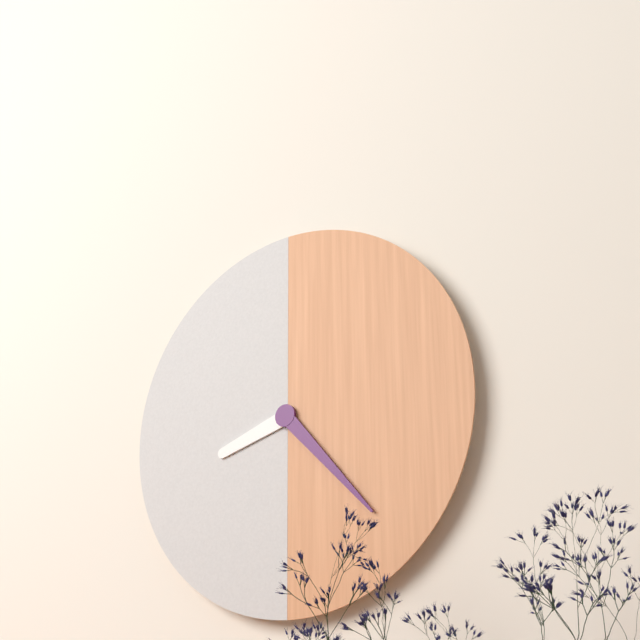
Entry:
8h23
